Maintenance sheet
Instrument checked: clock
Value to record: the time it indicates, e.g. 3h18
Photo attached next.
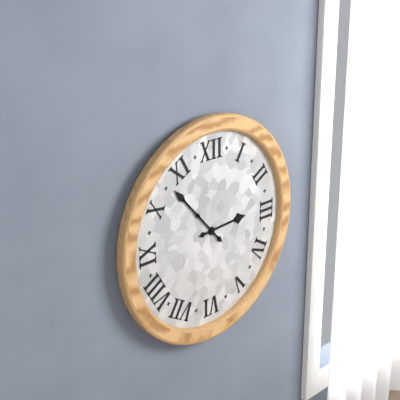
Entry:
2h53
